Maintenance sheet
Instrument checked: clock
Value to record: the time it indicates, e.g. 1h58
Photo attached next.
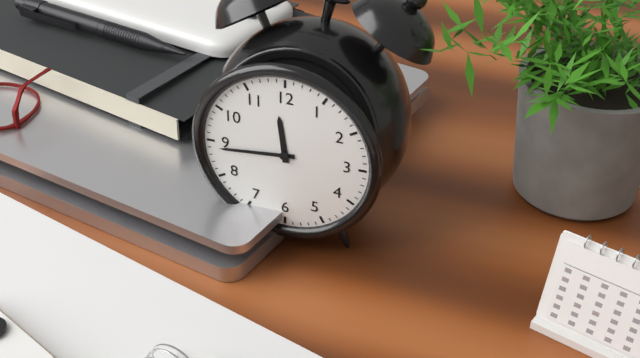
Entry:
11h44
